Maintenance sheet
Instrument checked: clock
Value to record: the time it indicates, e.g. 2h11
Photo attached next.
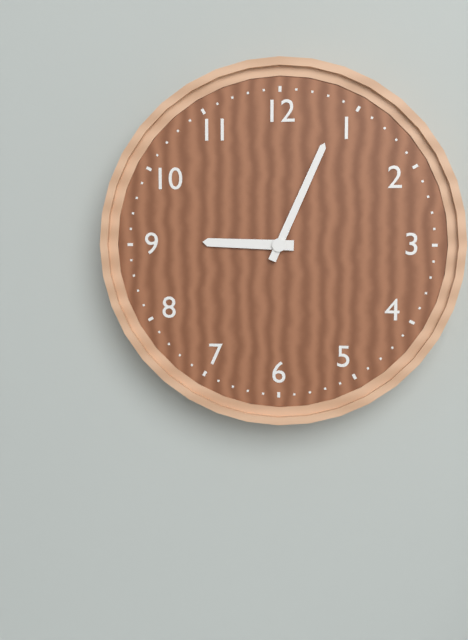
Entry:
9h04
